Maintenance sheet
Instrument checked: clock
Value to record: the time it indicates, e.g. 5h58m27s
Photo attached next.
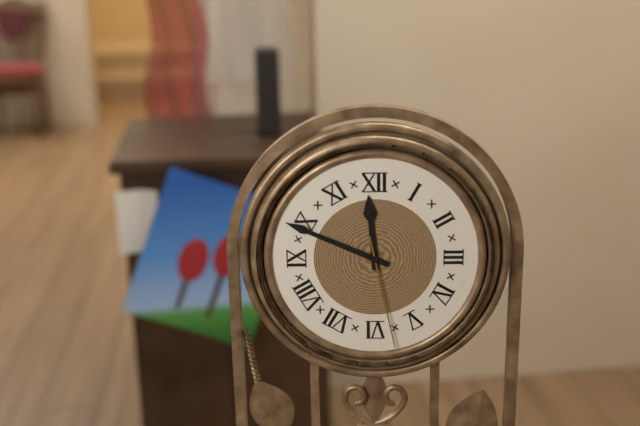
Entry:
11h49m28s
